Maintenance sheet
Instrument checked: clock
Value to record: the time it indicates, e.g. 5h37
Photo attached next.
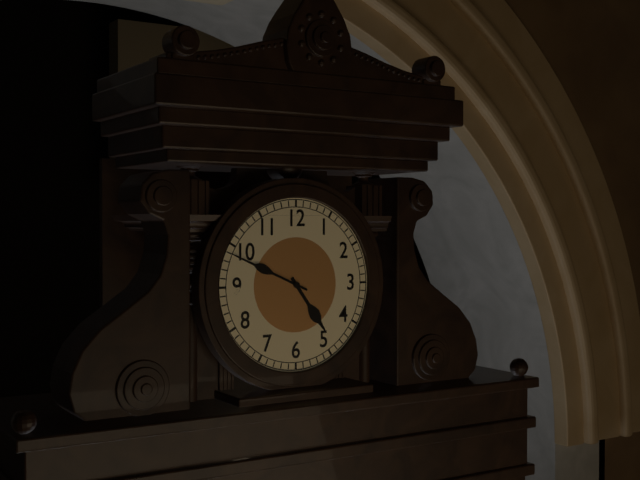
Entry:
4h49
